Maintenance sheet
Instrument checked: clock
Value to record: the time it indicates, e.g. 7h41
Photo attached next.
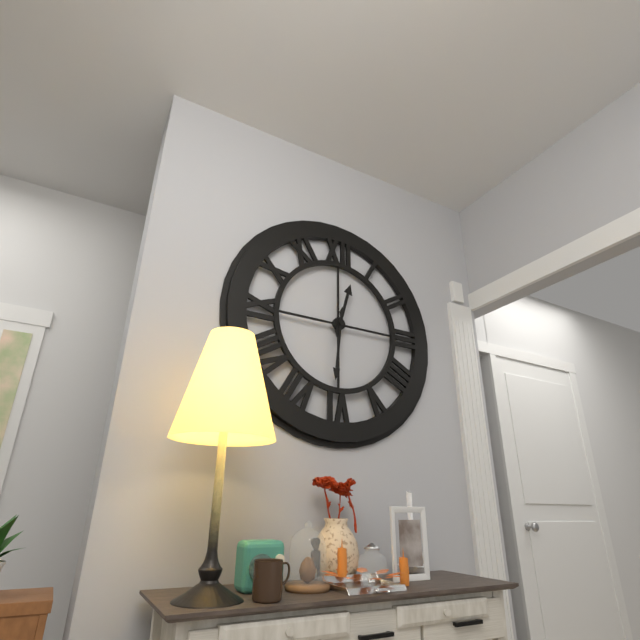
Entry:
12h31
